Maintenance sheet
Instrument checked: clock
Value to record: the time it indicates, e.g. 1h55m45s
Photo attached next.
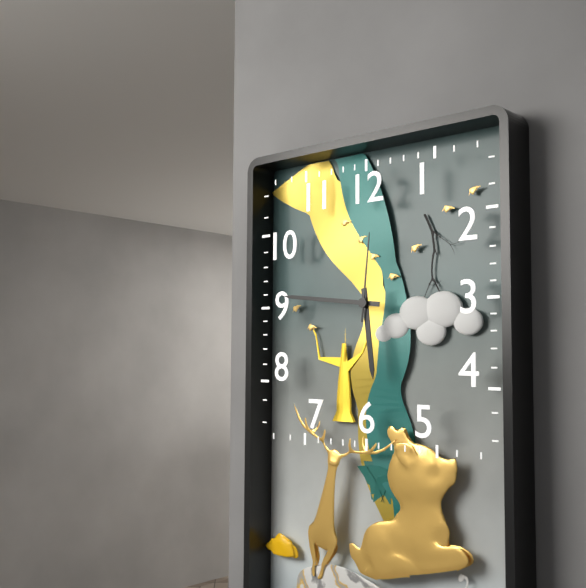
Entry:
5h46m01s
